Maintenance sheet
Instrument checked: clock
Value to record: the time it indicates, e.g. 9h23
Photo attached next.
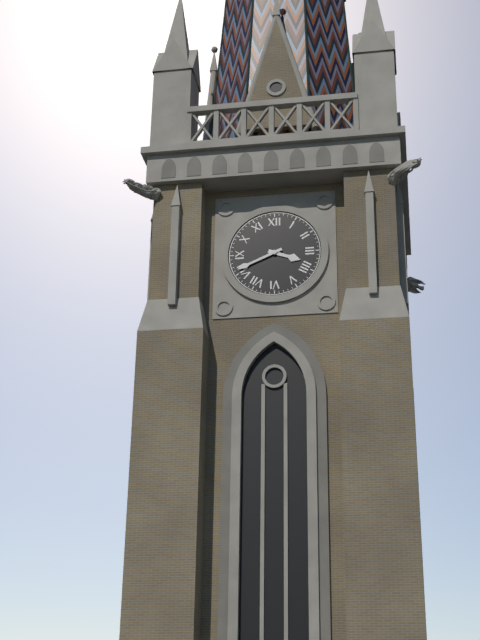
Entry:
3h41
